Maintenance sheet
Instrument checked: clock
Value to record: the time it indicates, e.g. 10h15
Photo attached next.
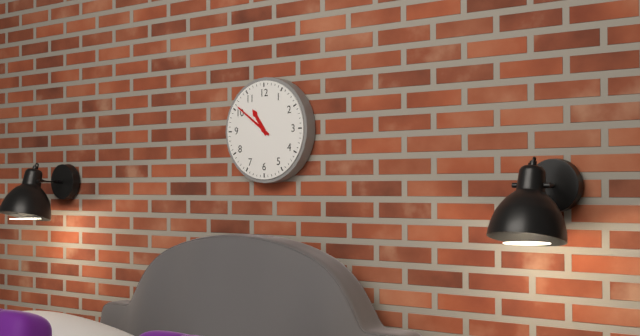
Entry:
10h51
